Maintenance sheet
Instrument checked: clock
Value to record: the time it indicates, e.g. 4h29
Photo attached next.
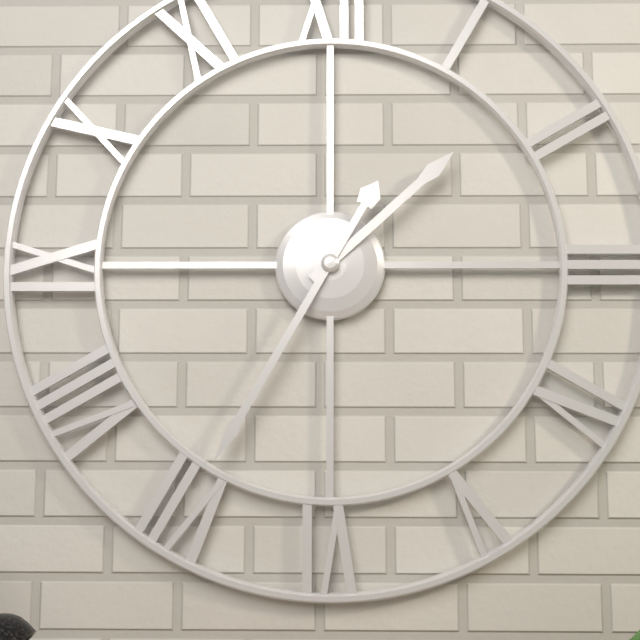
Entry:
1h35
